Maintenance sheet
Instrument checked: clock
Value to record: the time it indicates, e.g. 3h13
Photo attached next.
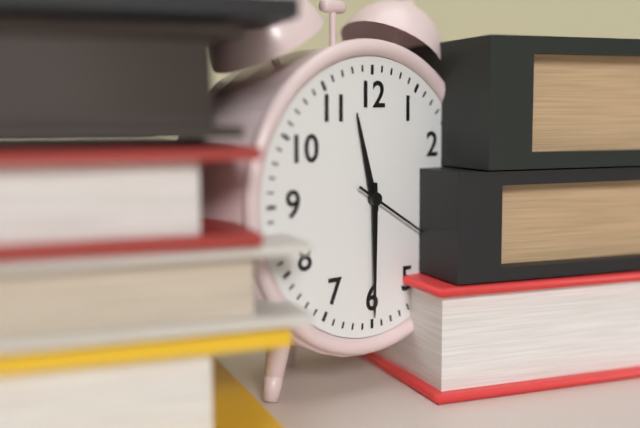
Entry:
11h30
